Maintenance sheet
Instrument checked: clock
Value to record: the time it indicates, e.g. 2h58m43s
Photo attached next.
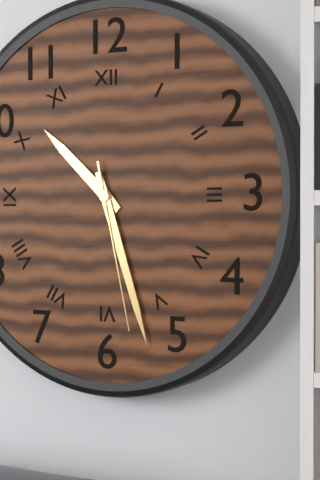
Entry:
10h27m28s
